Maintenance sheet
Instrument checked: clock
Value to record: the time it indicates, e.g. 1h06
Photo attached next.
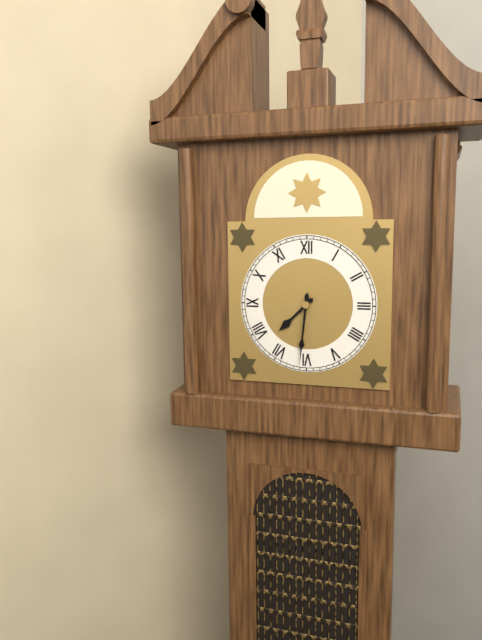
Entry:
7h31
